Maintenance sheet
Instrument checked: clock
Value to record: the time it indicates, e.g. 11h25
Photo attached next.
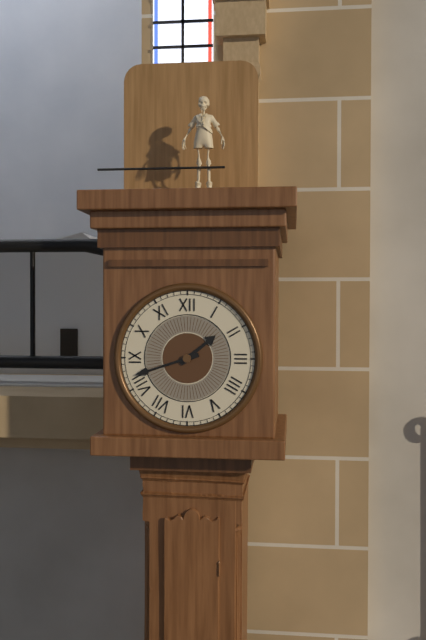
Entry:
1h42
